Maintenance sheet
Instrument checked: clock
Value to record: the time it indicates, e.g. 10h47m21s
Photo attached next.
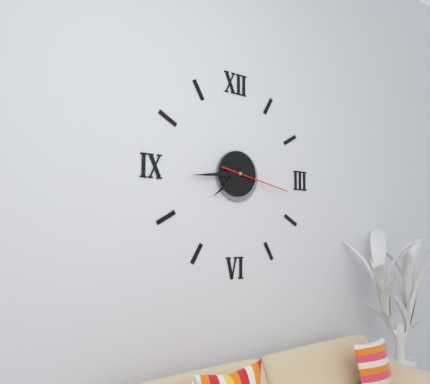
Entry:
7h44m17s
